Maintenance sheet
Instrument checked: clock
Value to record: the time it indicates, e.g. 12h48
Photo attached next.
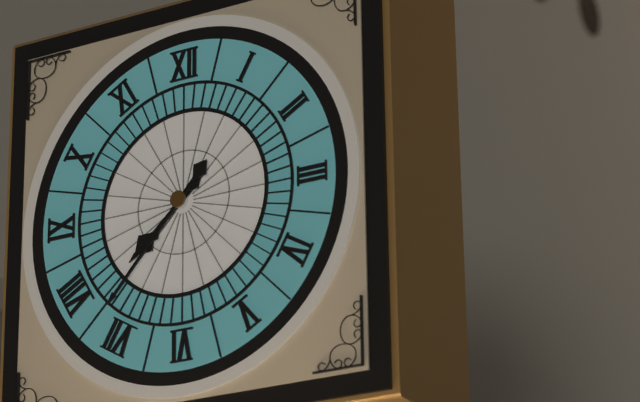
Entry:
7h37
